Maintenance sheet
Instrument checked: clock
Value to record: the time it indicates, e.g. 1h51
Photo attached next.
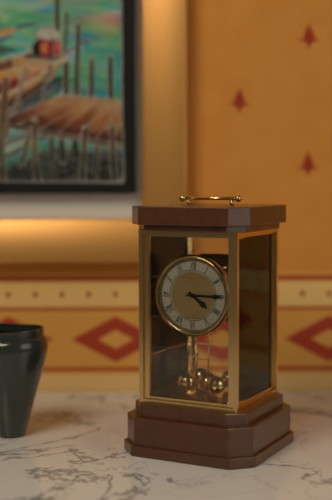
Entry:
4h15
